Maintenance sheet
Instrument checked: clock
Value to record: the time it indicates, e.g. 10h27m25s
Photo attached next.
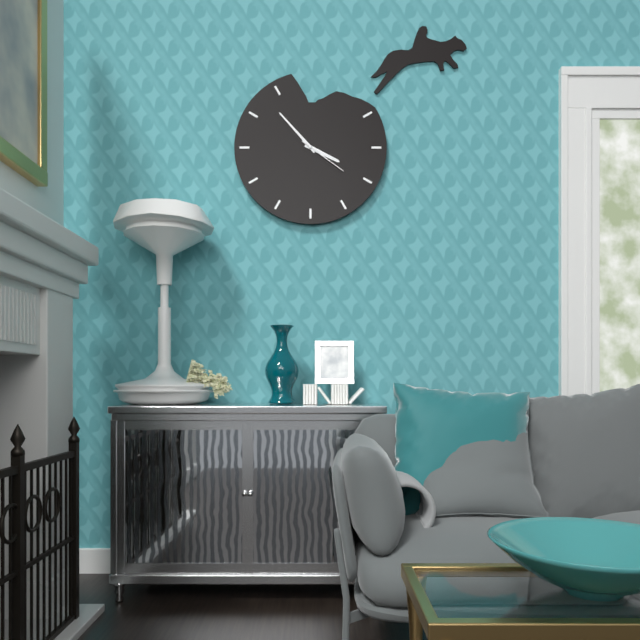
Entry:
3h53m21s
